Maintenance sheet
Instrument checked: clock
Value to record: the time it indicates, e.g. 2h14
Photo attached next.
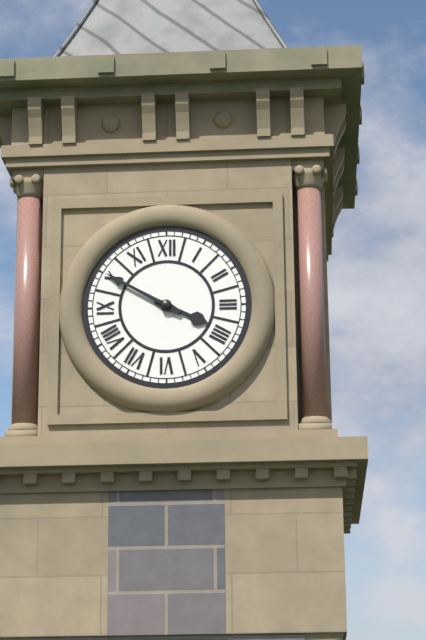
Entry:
3h50
